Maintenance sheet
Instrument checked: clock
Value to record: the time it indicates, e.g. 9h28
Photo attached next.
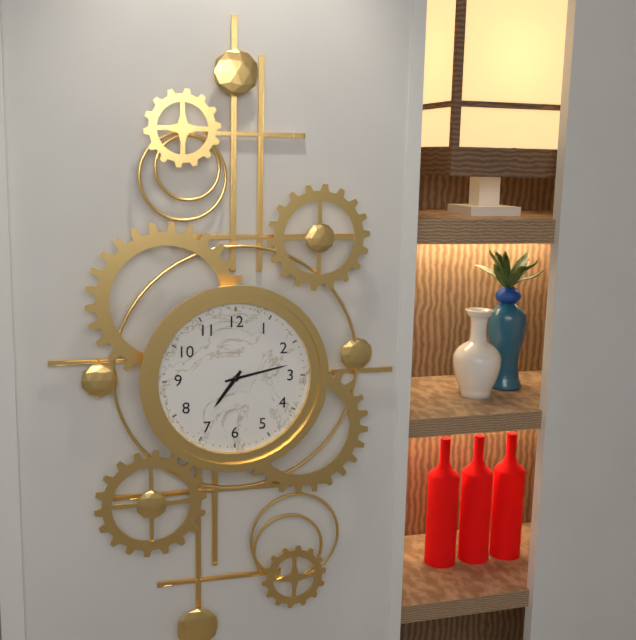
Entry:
7h13
